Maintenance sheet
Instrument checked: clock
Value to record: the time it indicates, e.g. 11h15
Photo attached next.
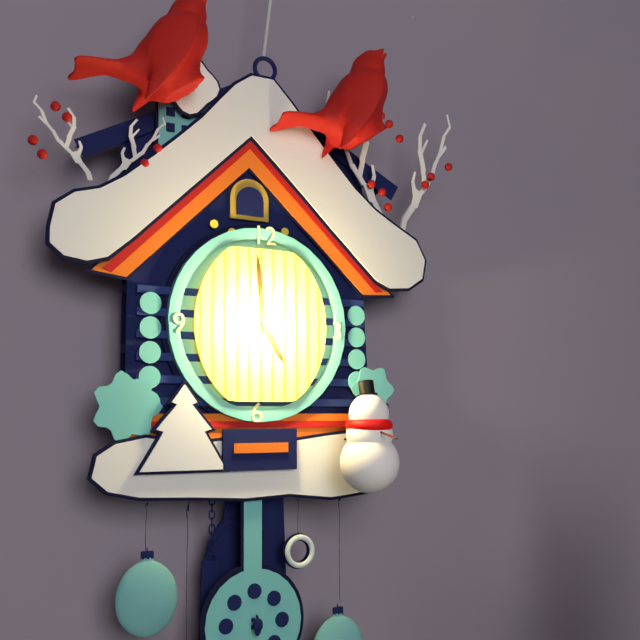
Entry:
4h59
